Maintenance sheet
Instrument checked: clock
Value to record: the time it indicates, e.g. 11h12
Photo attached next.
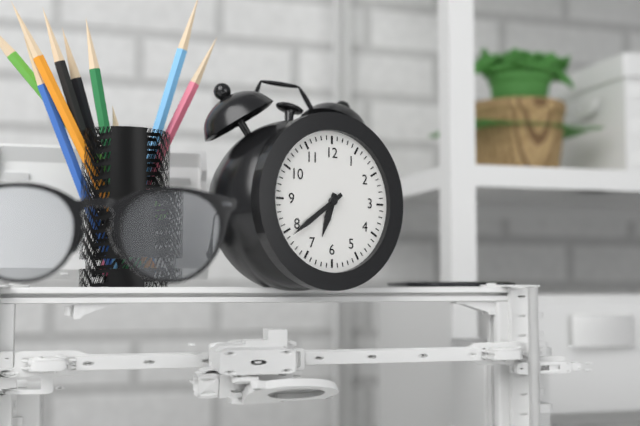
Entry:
6h39
